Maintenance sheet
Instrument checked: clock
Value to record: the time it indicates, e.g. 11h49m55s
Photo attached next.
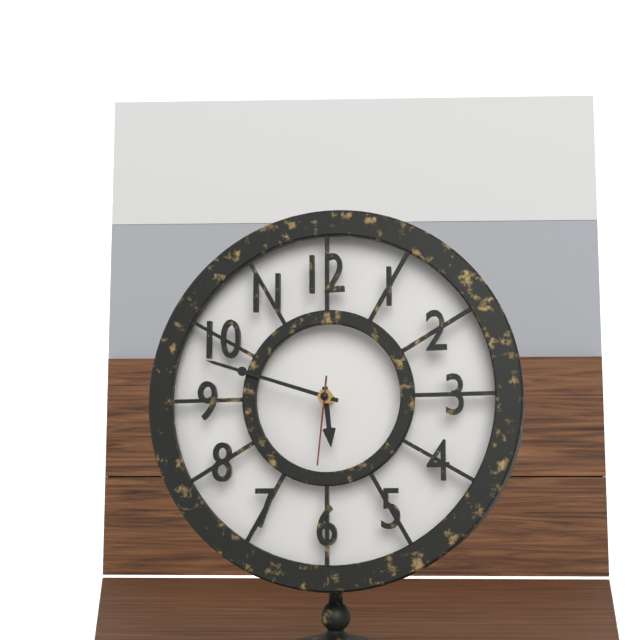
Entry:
5h48m31s
